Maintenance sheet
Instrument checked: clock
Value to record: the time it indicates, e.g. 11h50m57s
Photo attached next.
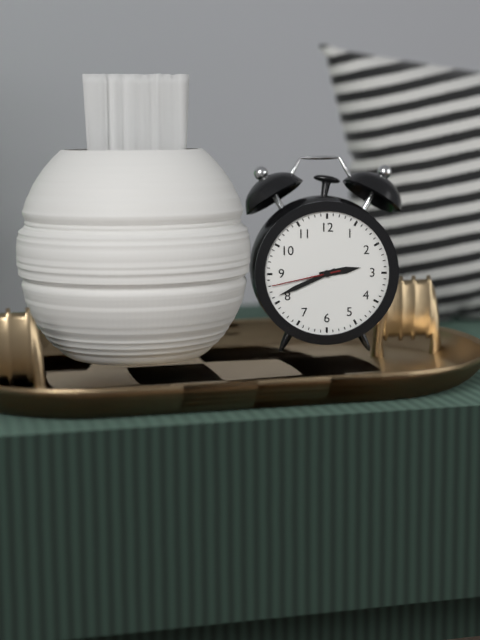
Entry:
2h41m43s
